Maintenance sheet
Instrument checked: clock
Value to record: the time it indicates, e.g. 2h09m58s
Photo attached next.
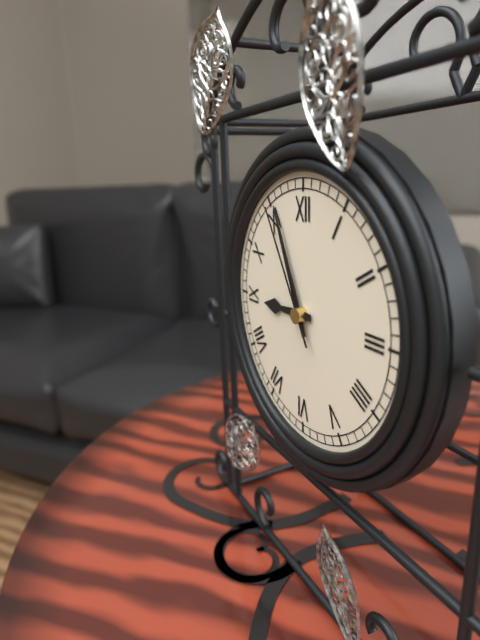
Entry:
8h56m55s
